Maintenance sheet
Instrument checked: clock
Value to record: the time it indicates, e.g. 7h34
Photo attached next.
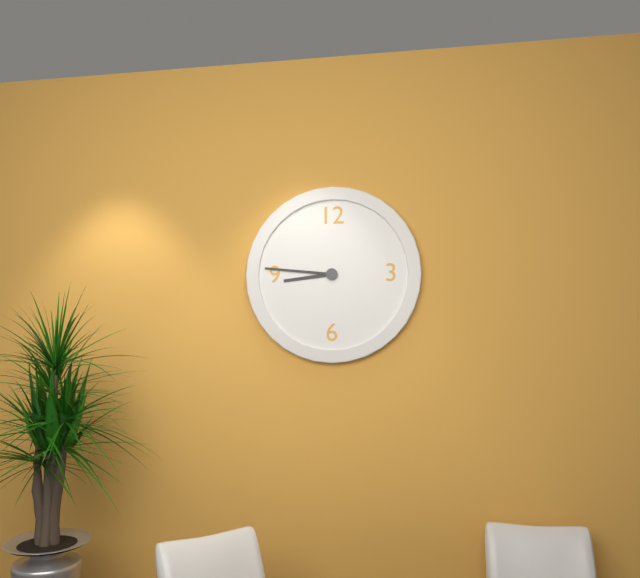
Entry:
8h46
